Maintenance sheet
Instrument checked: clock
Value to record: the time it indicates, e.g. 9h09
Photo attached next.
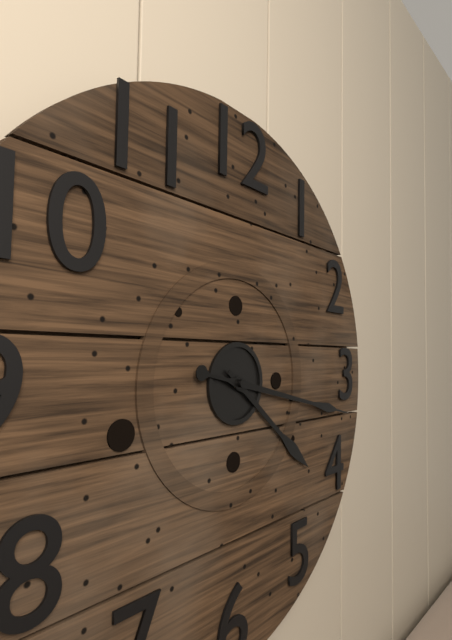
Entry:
4h17
